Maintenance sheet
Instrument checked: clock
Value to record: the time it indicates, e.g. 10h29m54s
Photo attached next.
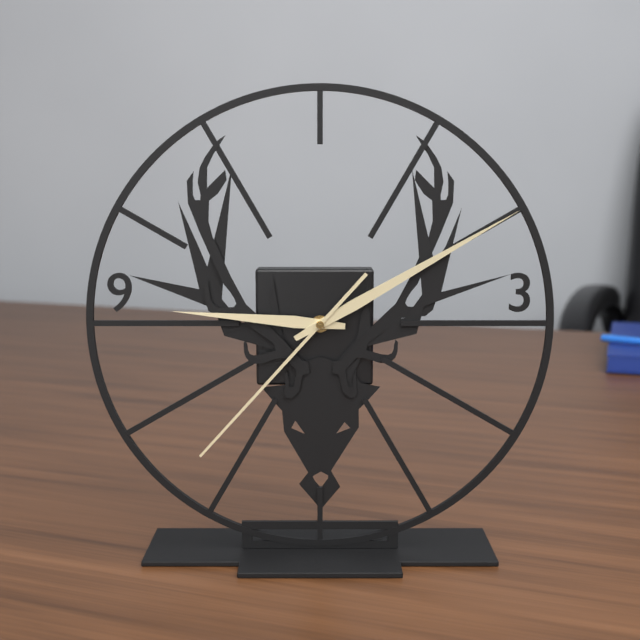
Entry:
9h10m37s
